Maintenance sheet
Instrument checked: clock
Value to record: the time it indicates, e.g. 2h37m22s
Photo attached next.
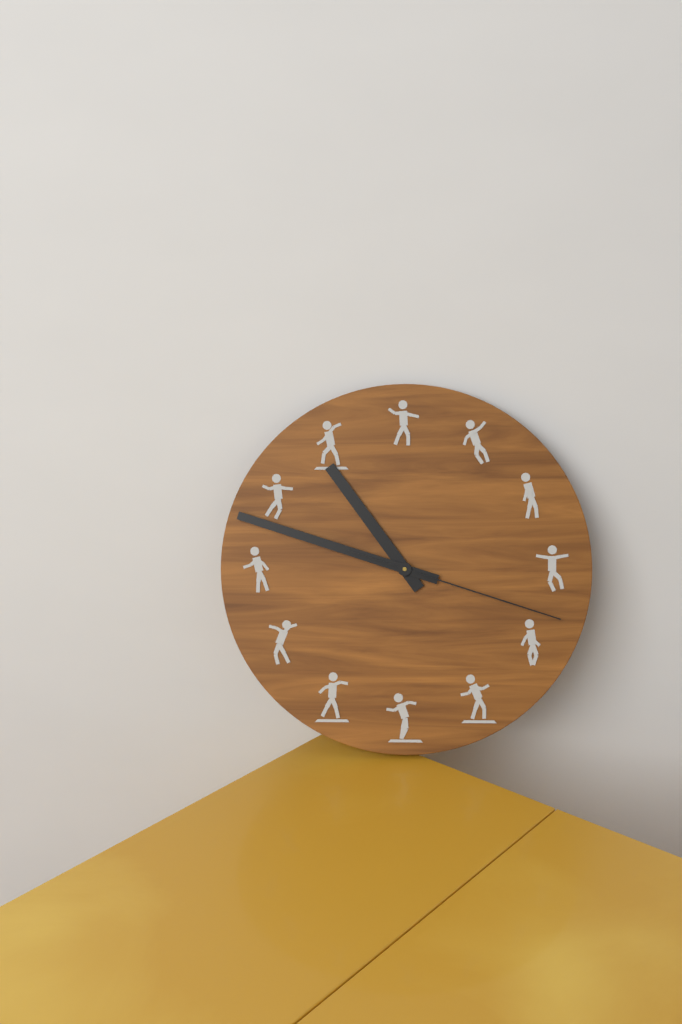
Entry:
10h48m18s
